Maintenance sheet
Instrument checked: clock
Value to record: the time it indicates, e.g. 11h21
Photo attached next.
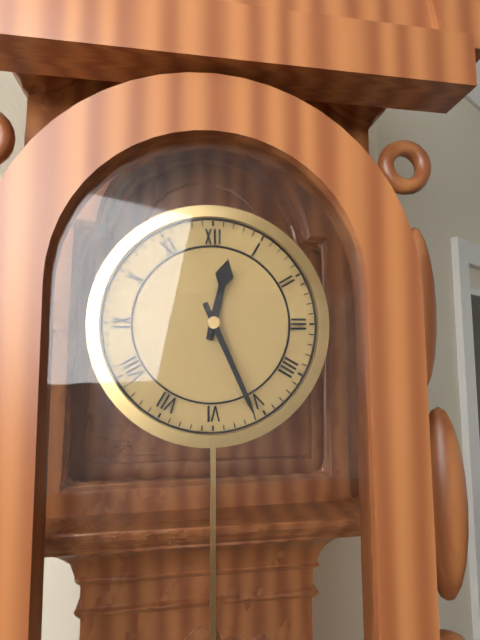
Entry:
12h26
